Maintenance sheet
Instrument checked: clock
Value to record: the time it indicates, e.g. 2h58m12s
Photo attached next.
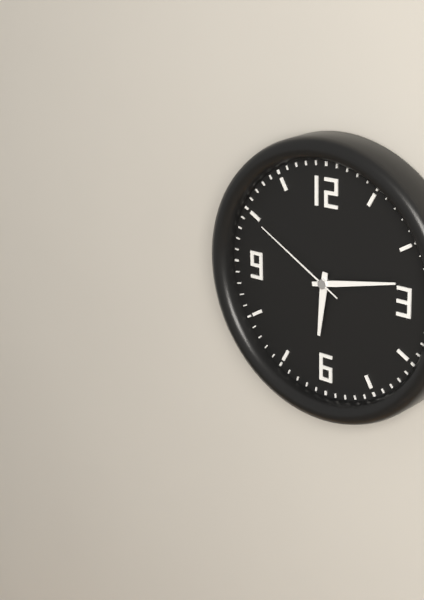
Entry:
6h13m50s
